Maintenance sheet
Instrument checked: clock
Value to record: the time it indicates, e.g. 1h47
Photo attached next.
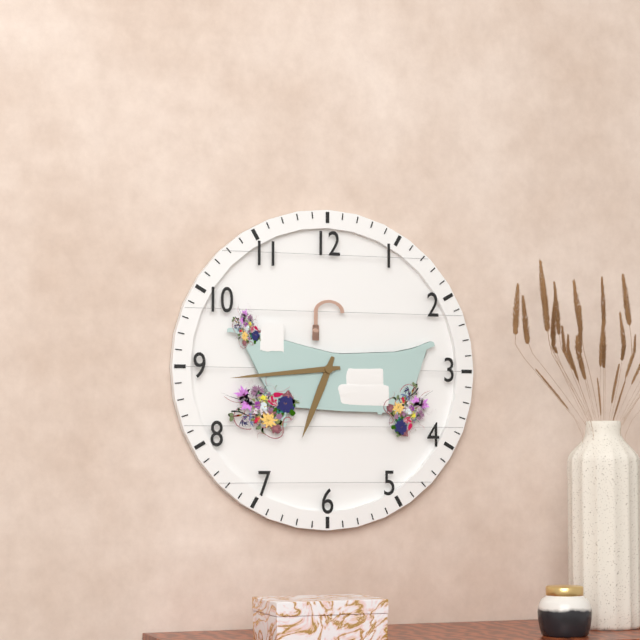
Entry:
6h44
